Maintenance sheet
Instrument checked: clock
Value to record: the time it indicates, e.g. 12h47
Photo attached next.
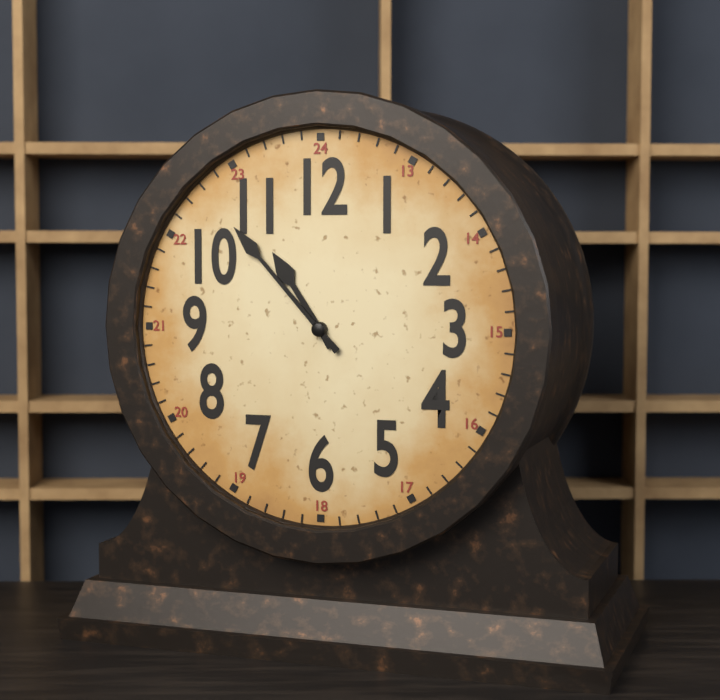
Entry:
10h53
